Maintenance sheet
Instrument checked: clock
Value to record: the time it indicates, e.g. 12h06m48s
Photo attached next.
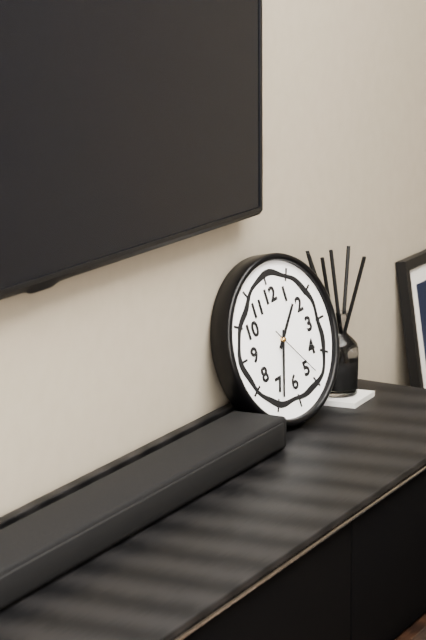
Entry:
1h34m24s
